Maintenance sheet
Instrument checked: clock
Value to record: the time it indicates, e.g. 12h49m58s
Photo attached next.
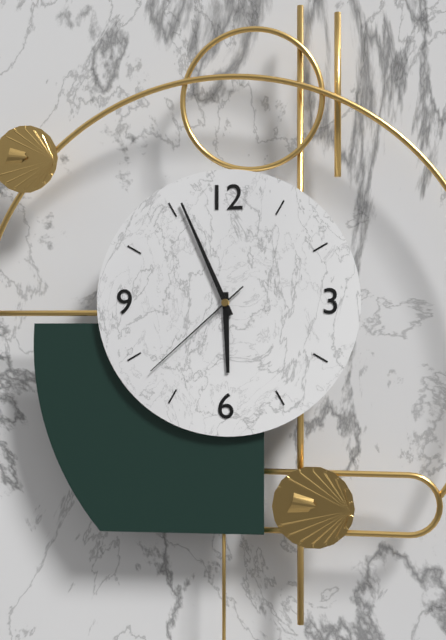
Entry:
5h56m38s
